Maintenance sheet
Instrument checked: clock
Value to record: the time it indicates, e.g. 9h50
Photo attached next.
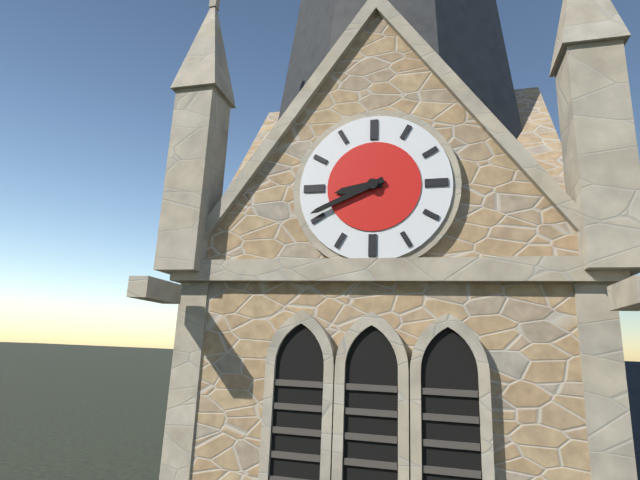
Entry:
8h41
